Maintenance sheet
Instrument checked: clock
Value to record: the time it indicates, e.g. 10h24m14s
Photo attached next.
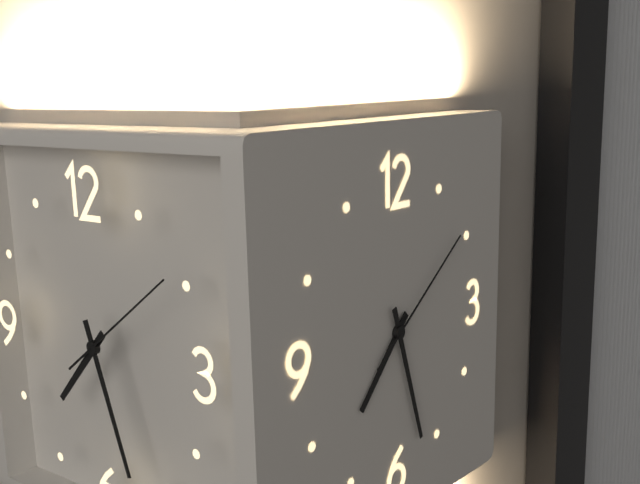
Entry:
7h27m09s
